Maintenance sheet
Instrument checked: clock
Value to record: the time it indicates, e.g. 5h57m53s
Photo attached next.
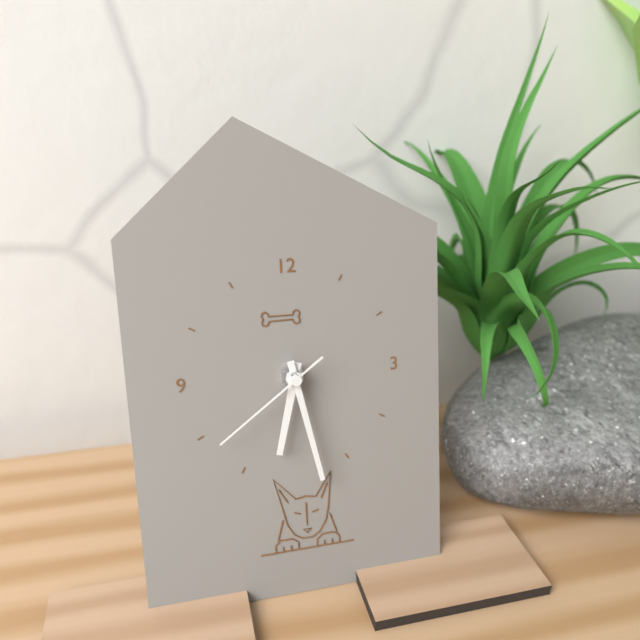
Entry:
6h28m39s
